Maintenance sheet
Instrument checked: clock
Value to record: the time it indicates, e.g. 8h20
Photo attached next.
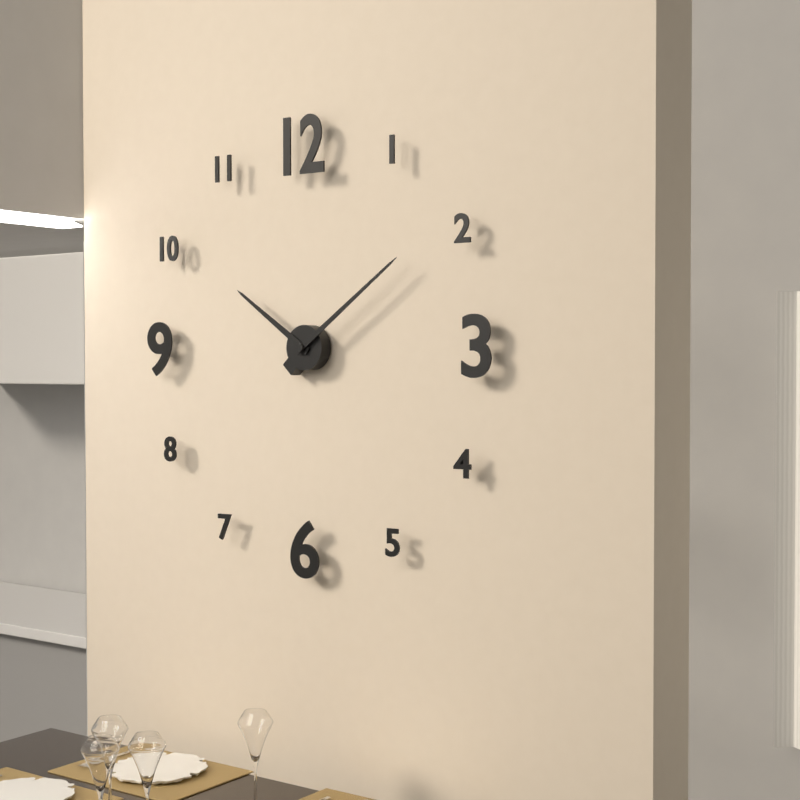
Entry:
10h09
